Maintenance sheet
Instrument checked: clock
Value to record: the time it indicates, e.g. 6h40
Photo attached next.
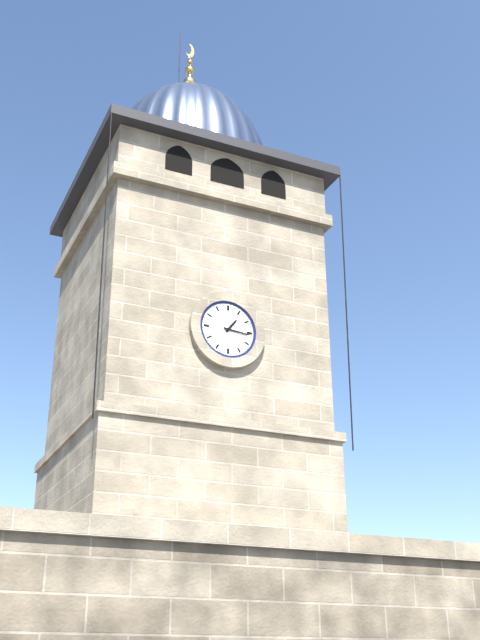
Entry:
1h16
